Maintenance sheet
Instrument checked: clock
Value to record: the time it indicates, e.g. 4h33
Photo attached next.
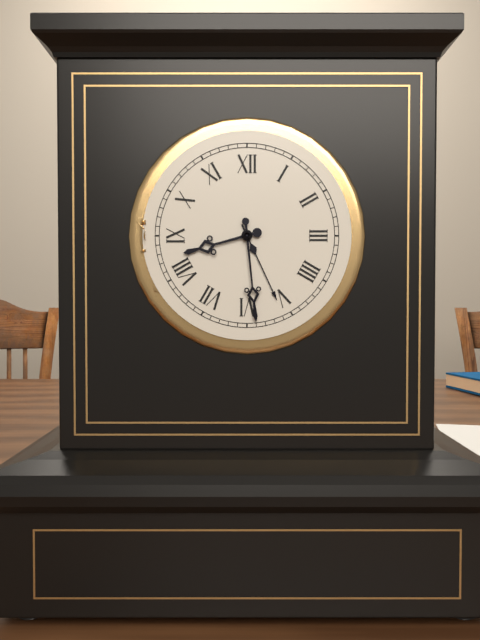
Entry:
8h29
